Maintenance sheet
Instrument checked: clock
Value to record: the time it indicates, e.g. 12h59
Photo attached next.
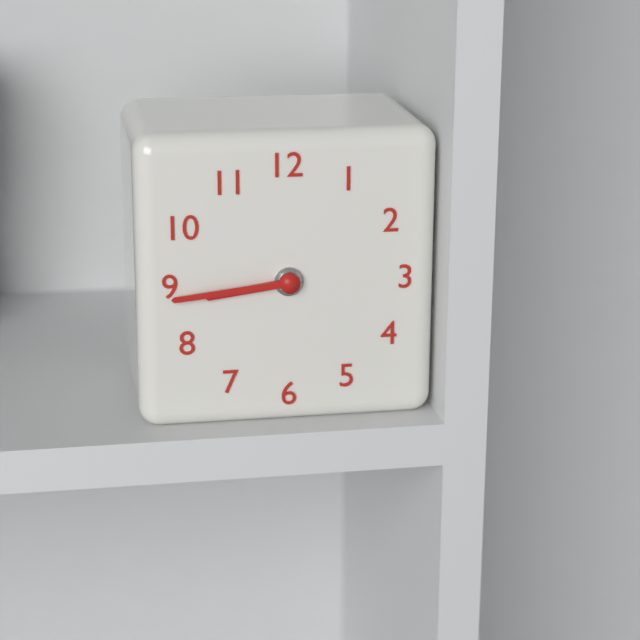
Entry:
8h44
